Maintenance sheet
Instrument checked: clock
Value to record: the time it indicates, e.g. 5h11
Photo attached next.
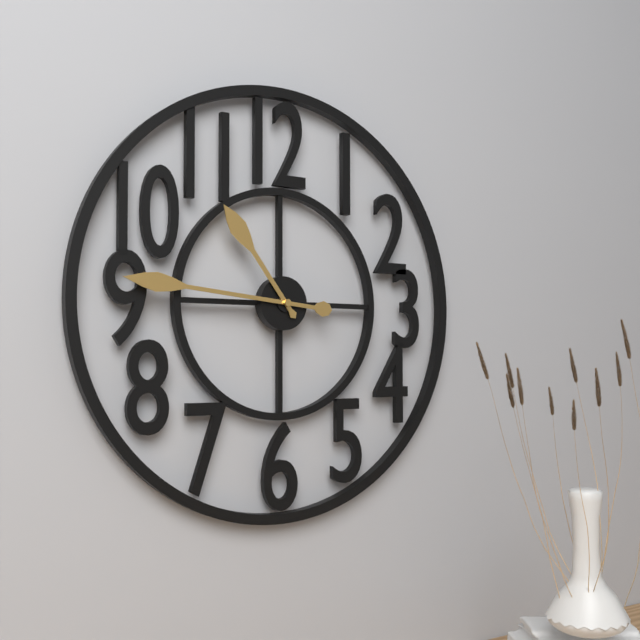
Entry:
10h46
